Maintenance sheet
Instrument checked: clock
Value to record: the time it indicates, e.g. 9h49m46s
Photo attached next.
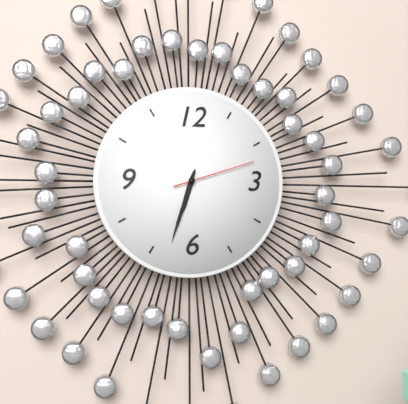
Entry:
6h33m12s
